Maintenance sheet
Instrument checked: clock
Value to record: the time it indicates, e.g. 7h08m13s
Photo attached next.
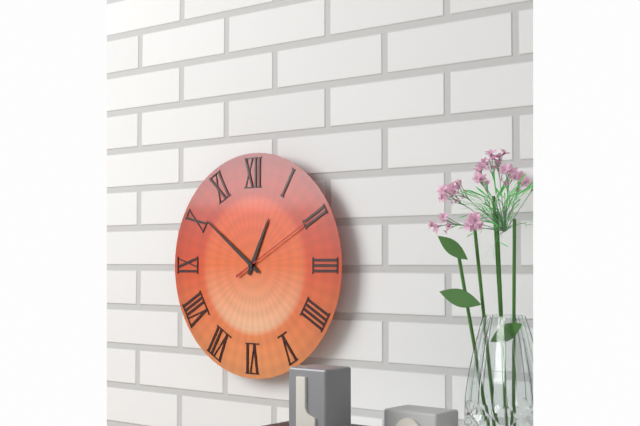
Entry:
12h51m10s
